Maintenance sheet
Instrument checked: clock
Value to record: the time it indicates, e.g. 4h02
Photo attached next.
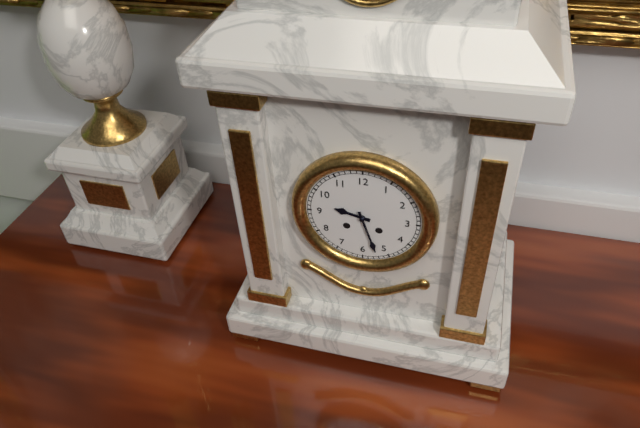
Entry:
9h27
